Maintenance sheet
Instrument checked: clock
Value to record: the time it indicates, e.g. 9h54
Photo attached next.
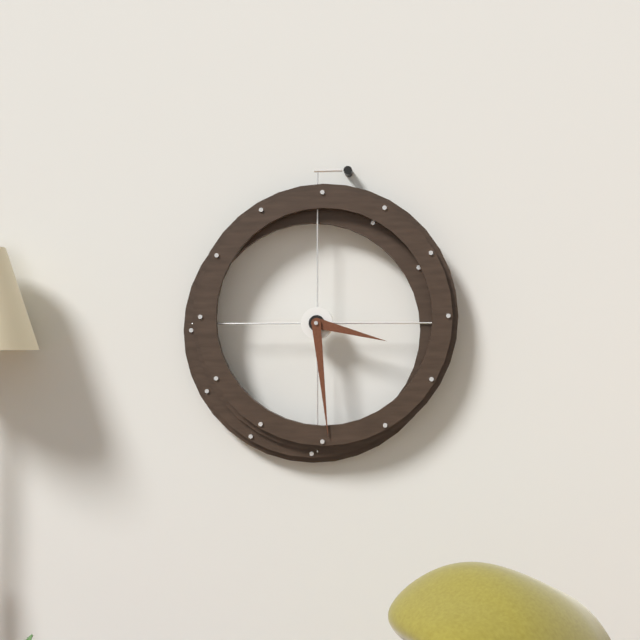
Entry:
3h29
